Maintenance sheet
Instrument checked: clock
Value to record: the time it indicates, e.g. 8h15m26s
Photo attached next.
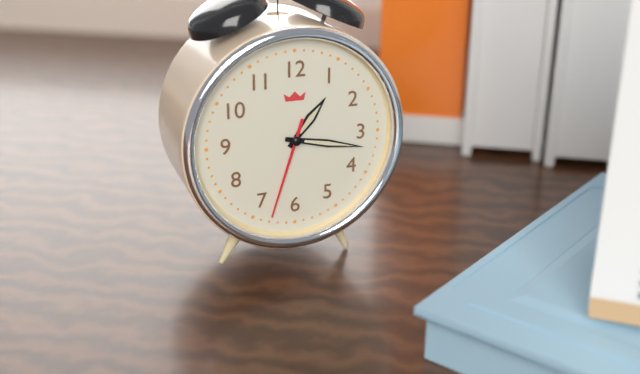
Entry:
1h17m33s
